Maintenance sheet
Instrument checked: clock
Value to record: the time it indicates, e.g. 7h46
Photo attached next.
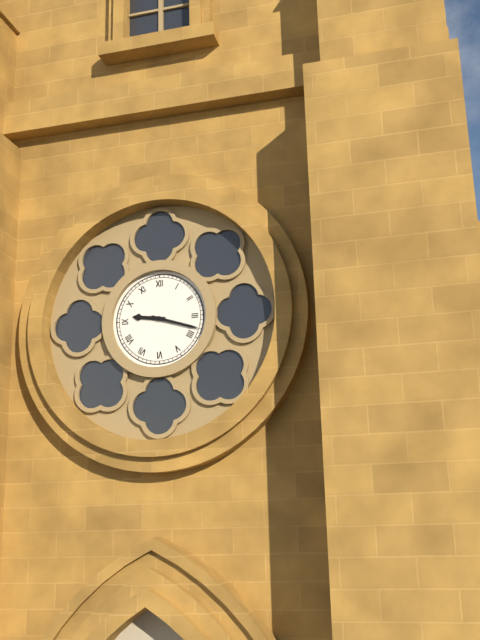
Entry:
9h18
